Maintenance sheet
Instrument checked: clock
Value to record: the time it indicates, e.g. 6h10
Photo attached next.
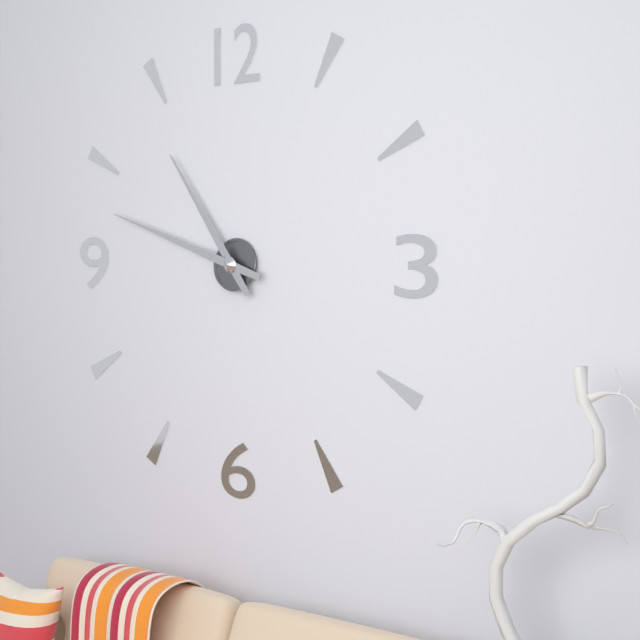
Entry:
10h48
